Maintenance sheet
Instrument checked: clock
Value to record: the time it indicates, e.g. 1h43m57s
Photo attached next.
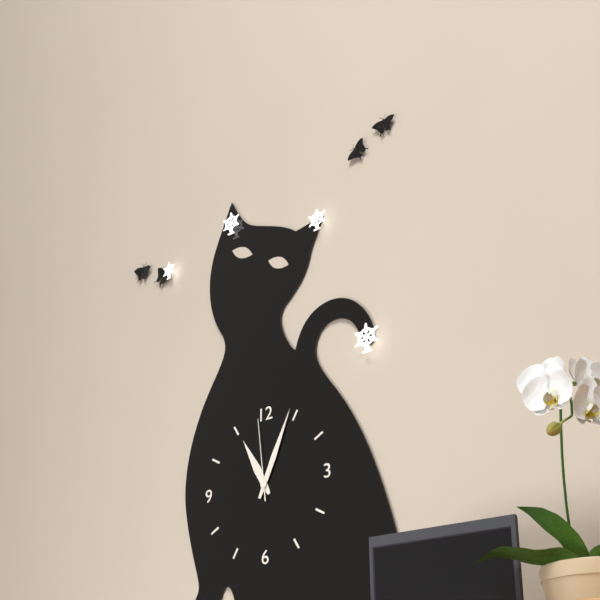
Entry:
11h04m59s
